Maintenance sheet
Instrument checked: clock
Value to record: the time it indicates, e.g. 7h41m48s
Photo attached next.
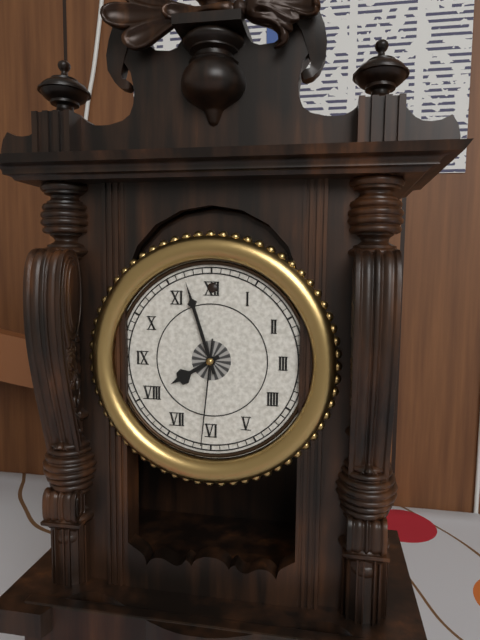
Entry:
7h57m31s
